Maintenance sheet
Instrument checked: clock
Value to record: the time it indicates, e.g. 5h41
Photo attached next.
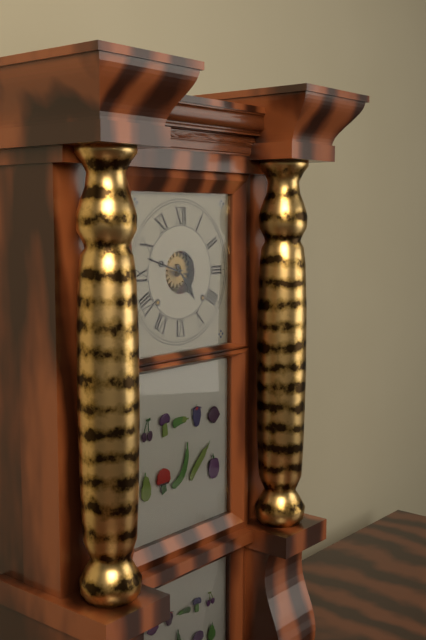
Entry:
4h48
